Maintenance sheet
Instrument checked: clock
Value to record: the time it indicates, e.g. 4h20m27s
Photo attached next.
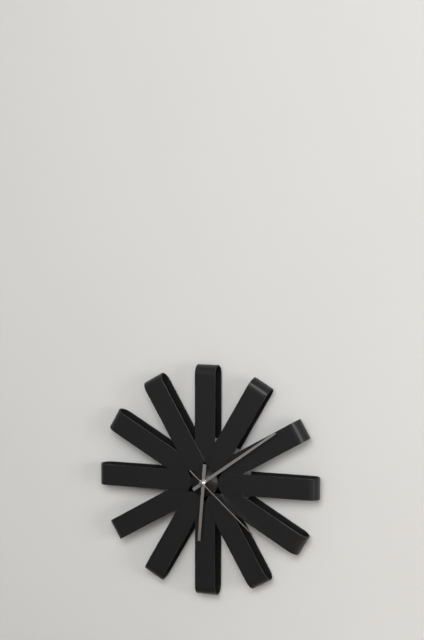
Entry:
6h09m22s
